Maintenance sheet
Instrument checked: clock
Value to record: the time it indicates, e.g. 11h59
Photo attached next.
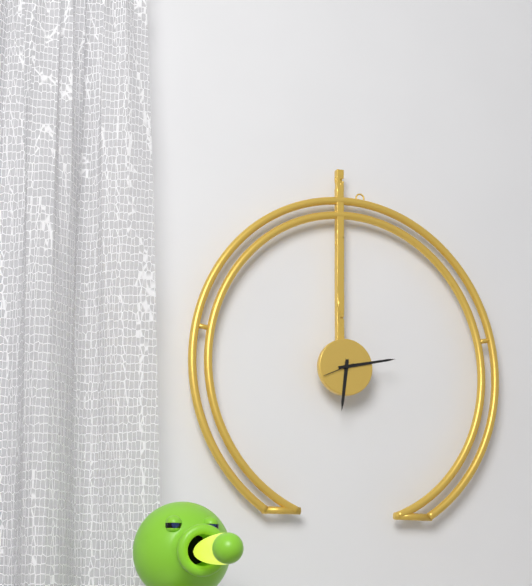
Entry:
6h13
